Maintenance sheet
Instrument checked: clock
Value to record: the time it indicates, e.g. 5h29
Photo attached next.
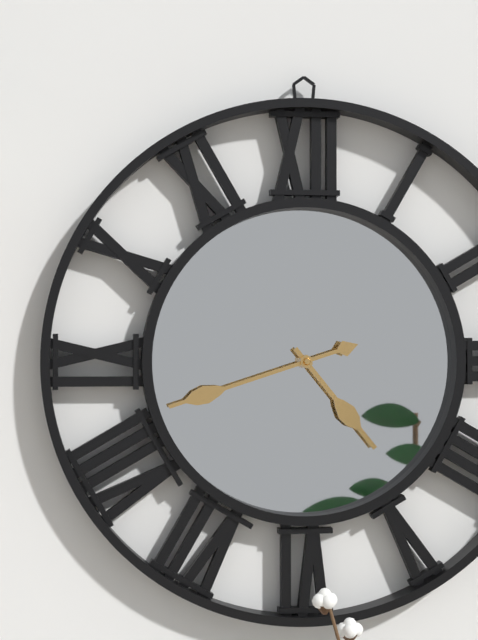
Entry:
4h42
